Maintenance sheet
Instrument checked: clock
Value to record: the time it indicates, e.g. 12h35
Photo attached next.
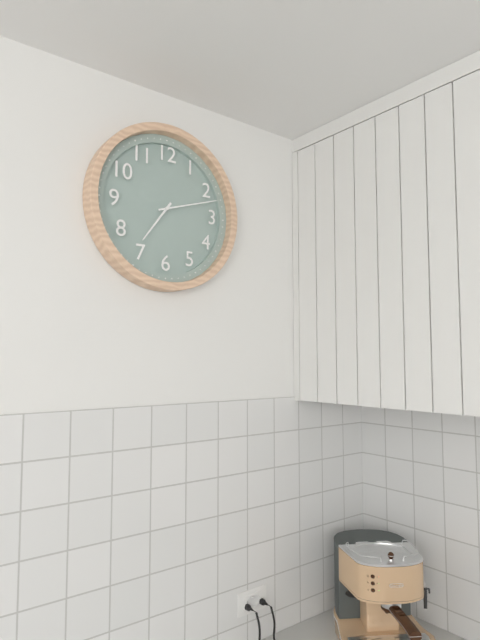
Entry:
7h12
